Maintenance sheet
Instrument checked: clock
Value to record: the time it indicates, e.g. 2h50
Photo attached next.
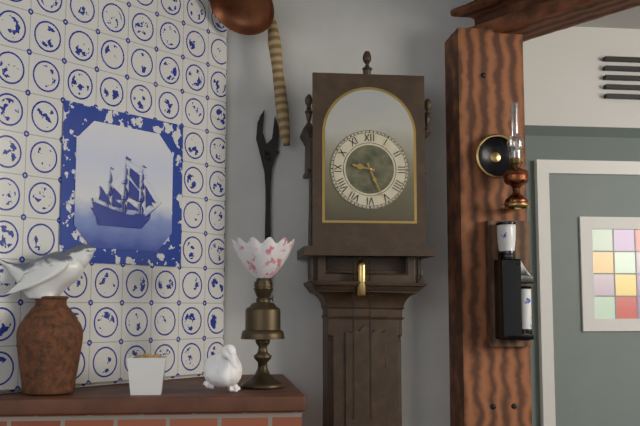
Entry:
9h26
